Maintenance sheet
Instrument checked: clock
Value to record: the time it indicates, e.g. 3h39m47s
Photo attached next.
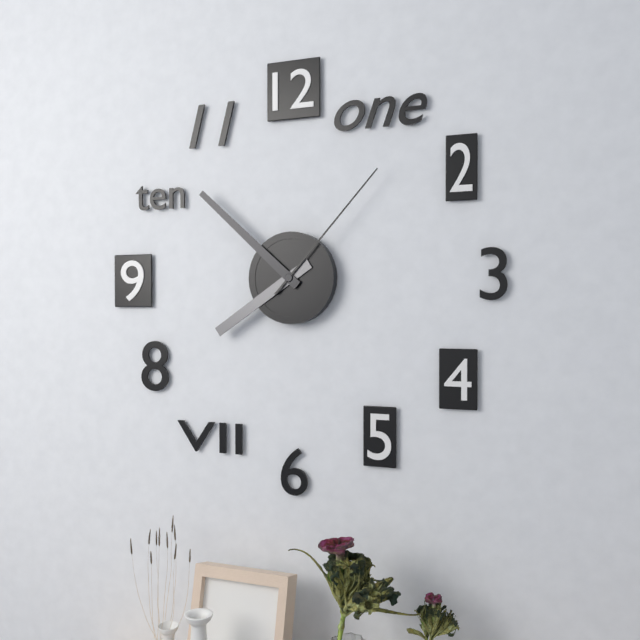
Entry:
7h52m07s
